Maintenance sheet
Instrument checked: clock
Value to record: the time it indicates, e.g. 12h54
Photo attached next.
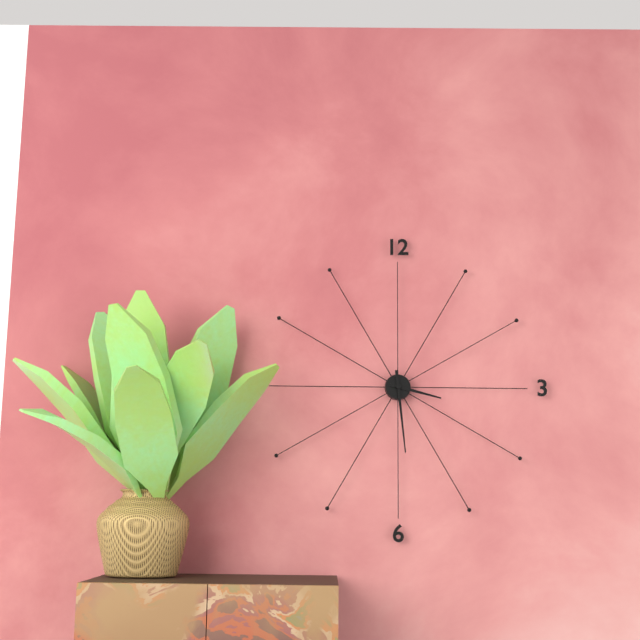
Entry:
3h29
